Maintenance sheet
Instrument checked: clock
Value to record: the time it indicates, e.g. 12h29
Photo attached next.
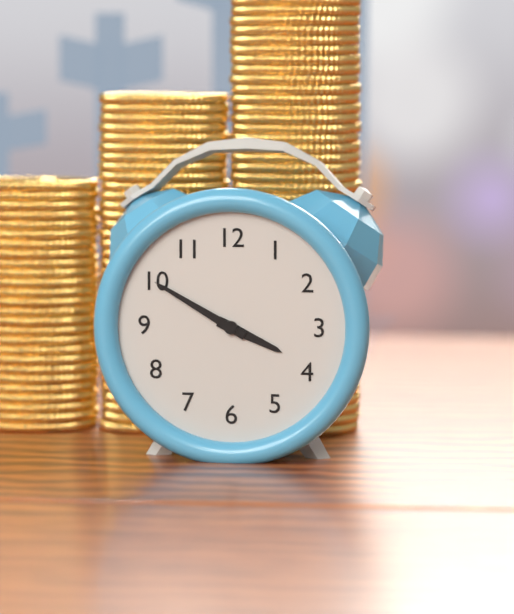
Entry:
3h50
